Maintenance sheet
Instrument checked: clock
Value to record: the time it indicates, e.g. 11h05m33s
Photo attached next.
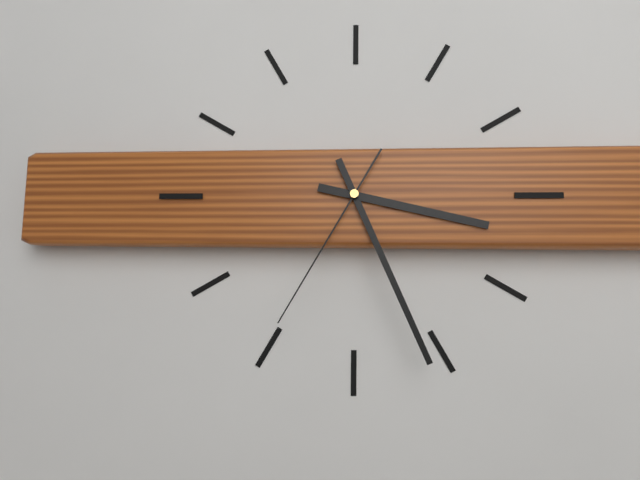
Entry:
3h26m35s
